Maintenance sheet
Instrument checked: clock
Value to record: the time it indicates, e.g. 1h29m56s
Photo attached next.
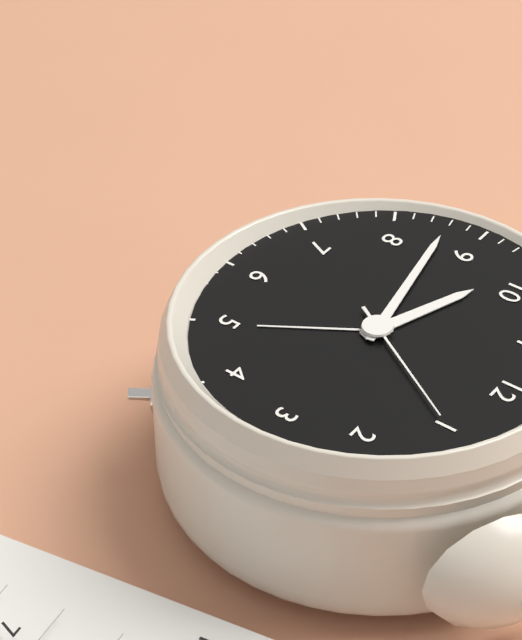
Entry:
9h43m05s
